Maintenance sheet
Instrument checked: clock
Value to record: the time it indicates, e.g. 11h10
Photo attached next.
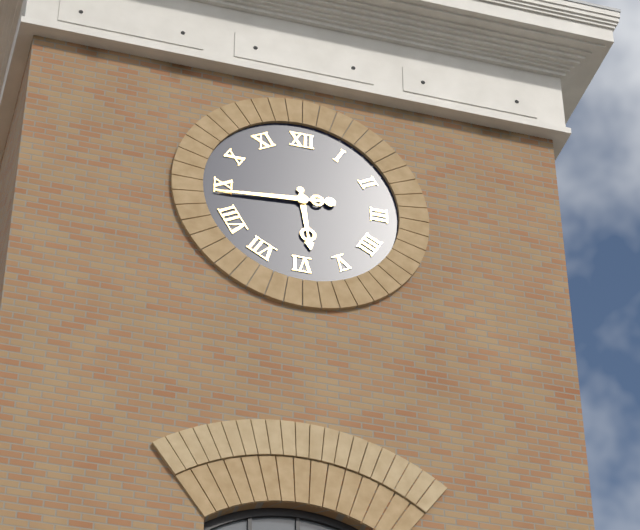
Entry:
5h44
